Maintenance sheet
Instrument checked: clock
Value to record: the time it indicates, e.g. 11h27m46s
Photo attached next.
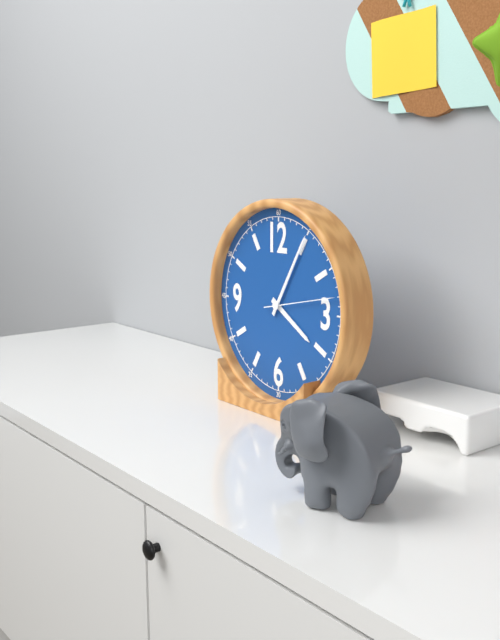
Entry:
4h05m13s
